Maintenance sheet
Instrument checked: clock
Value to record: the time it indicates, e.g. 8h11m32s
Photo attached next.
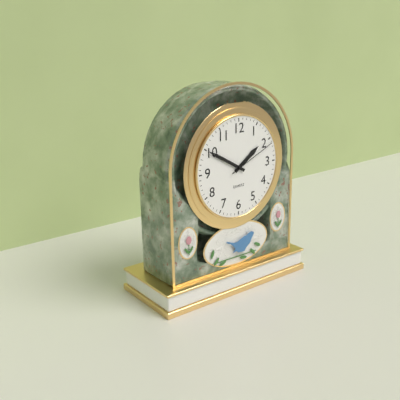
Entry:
1h50m11s
